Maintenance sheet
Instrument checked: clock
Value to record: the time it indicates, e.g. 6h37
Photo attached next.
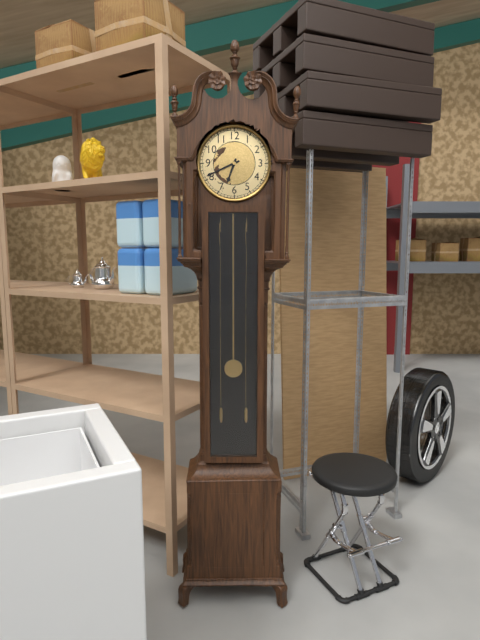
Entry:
6h41
